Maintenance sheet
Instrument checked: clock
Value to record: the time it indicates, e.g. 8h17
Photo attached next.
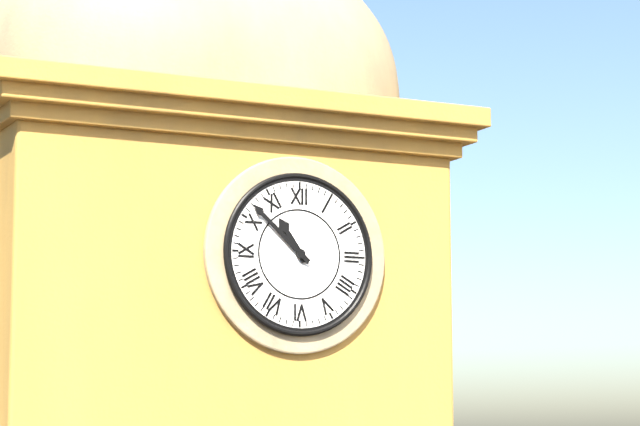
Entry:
10h52
